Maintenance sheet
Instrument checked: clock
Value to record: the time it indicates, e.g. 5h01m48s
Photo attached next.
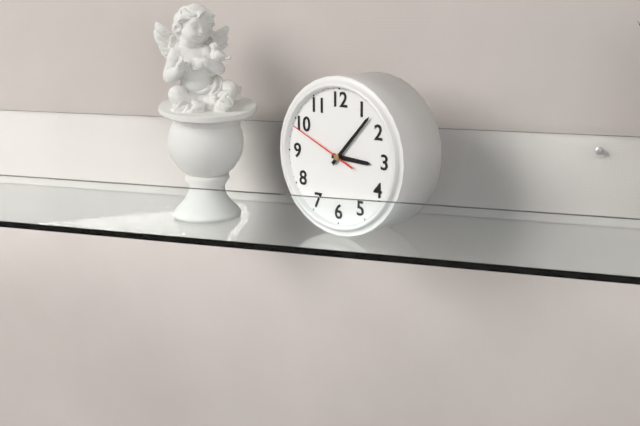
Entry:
3h07m49s
